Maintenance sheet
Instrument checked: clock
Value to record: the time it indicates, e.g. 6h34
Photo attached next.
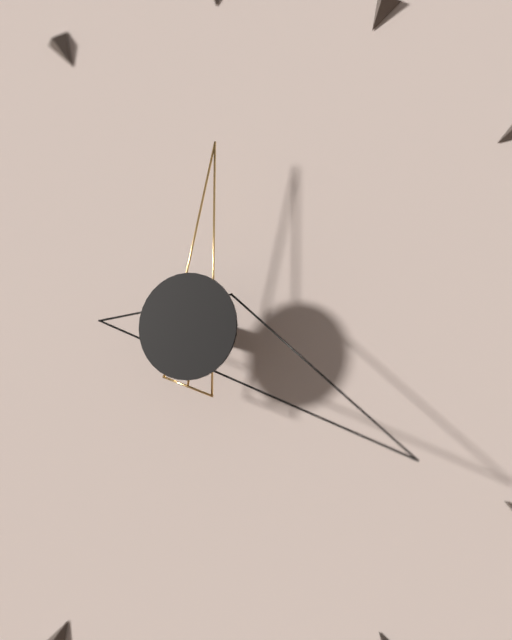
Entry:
12h20
